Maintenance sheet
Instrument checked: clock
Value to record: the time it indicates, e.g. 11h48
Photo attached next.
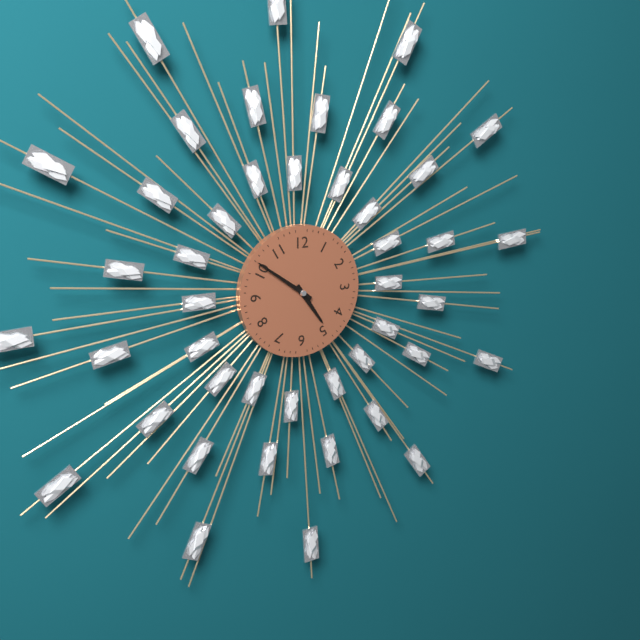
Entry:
4h51
